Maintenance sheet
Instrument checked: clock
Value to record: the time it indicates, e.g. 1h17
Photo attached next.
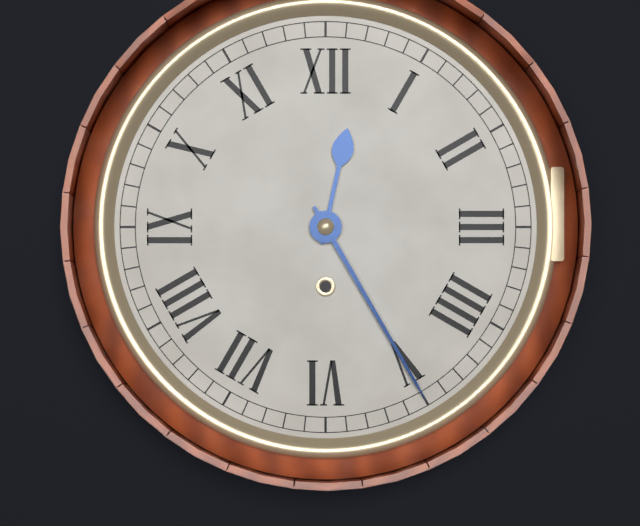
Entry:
12h25
